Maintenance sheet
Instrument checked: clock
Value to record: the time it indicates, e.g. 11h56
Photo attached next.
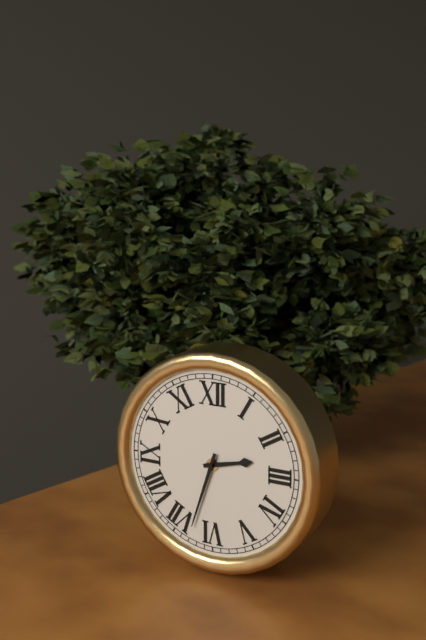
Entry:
2h33
